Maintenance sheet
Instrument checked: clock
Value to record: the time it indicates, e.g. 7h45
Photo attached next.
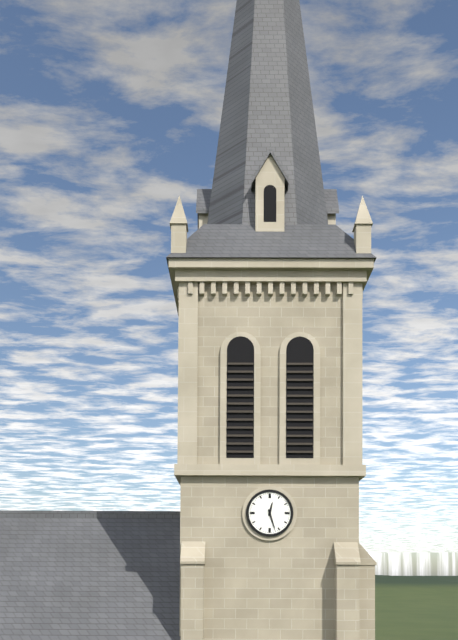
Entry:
12h27
